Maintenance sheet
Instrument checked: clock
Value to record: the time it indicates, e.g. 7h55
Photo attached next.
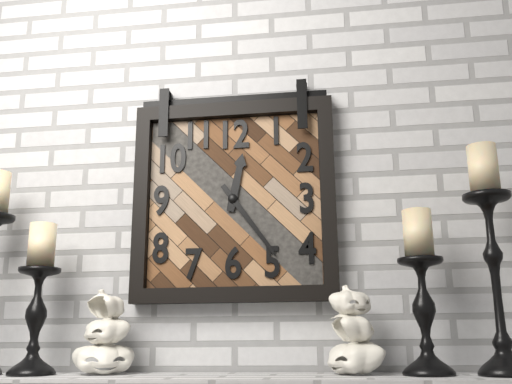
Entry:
12h24
